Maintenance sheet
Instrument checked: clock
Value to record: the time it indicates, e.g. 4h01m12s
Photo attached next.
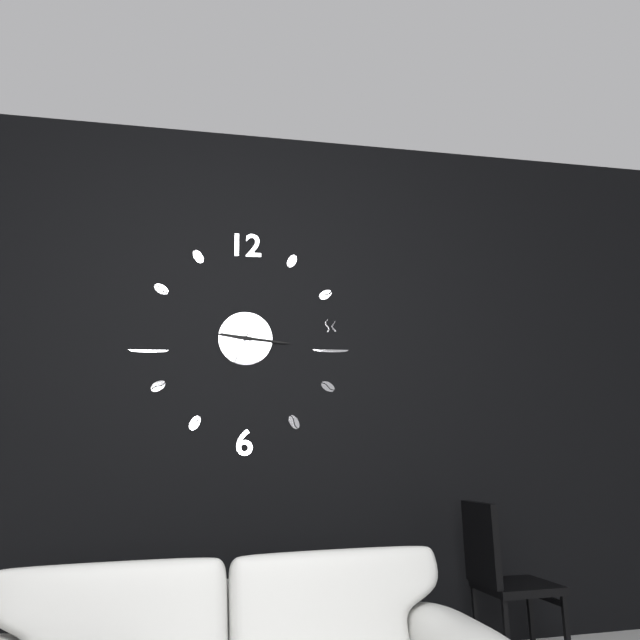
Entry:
9h16m34s
